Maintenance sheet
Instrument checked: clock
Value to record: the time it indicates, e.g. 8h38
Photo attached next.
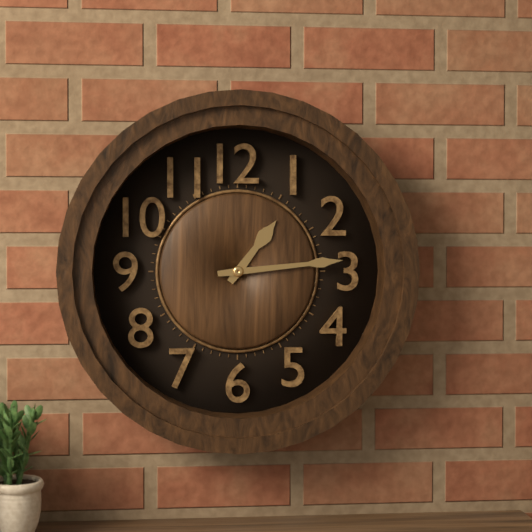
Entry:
1h14
